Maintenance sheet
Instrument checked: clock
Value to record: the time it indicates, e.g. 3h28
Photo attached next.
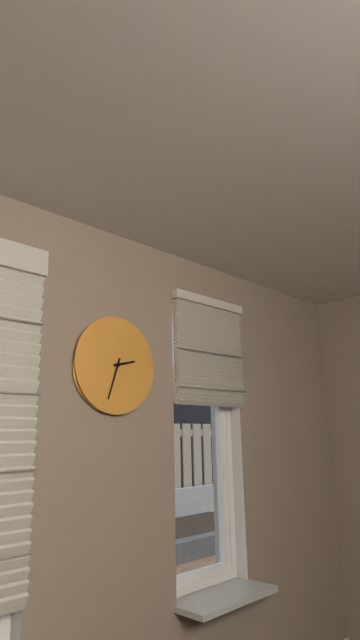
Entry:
2h33
